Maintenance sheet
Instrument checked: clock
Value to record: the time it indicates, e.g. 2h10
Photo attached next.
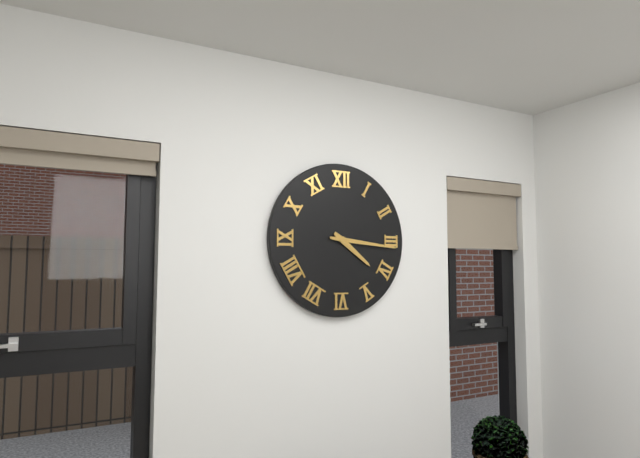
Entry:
4h16
